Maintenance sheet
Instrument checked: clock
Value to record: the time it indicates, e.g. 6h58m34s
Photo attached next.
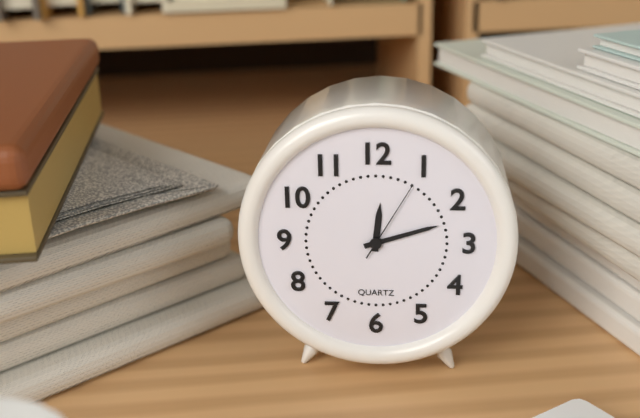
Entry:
12h12m05s
